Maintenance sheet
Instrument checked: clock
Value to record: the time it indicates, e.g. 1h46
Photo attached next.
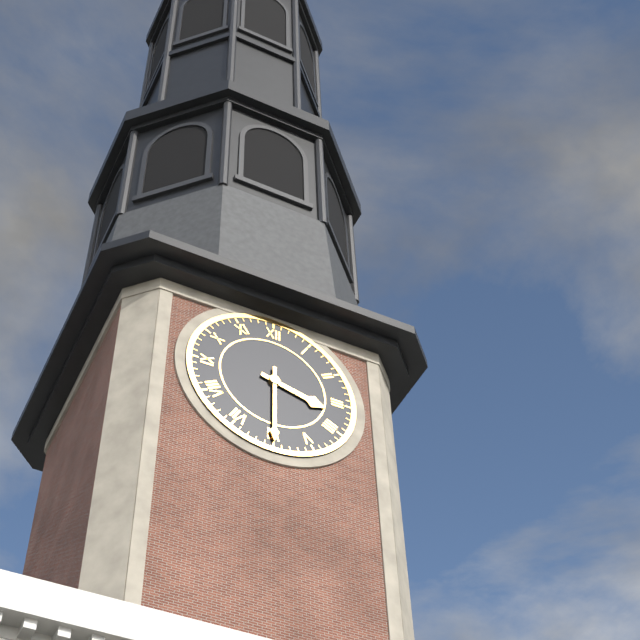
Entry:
3h30
